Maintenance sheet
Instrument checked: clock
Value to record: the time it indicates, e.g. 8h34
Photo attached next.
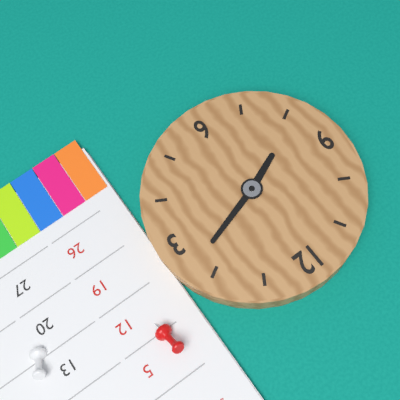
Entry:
8h12
